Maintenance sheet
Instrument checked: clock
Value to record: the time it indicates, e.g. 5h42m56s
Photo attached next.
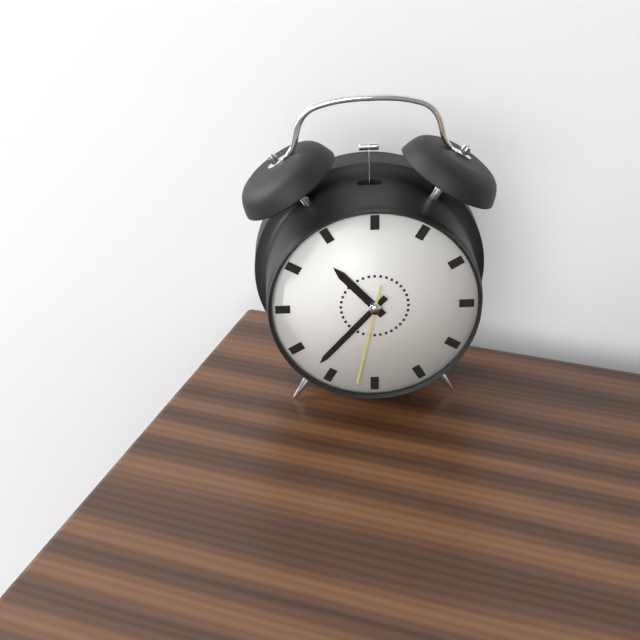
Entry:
10h37m32s
